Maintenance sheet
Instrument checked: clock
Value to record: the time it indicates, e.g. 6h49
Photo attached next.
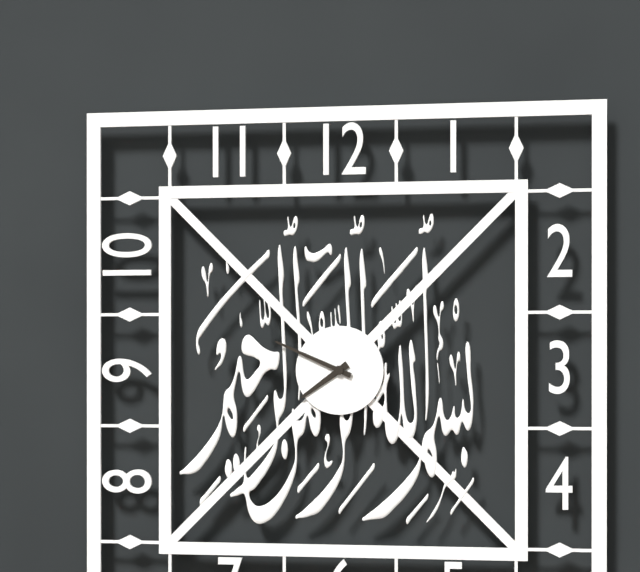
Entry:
7h49
